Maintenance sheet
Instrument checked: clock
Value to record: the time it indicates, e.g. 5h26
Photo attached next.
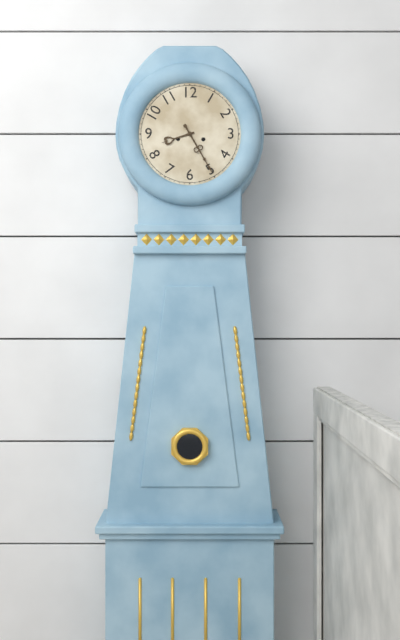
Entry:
8h25
